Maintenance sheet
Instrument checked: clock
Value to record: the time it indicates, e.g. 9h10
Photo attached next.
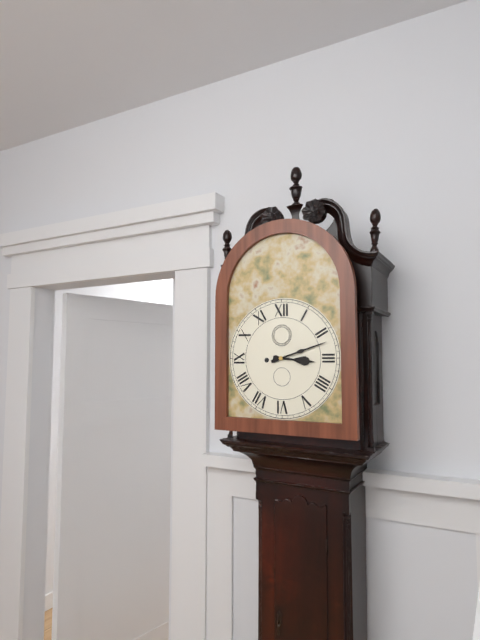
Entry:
3h12
